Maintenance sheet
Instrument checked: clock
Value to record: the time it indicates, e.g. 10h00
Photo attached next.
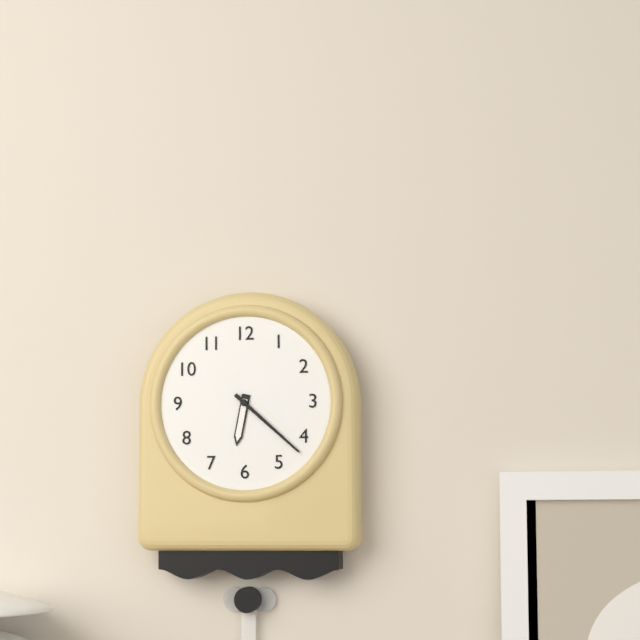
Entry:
6h22
